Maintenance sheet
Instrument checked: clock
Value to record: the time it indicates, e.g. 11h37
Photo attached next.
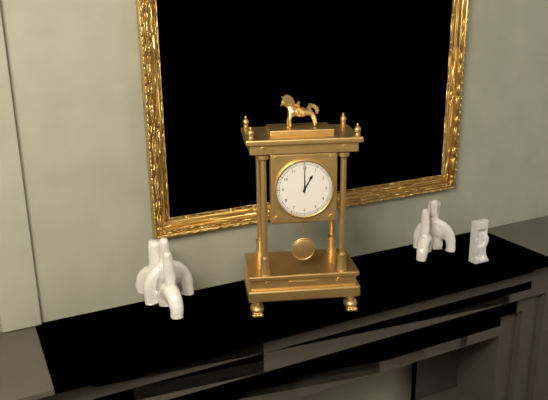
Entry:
1h00
